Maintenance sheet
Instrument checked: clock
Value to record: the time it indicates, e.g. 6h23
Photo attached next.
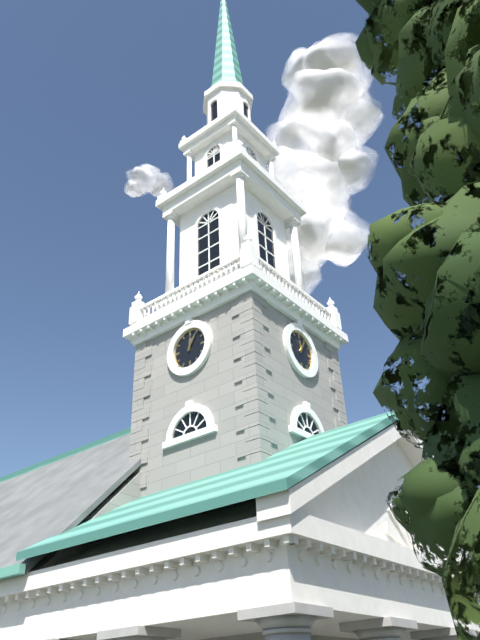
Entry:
12h05
